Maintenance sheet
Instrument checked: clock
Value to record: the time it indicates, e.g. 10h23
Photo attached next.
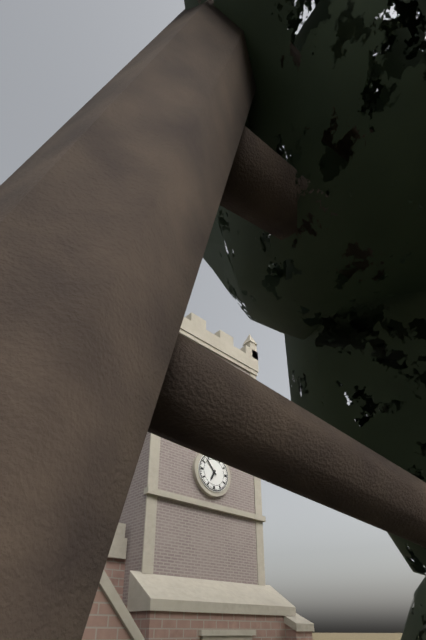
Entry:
6h53
